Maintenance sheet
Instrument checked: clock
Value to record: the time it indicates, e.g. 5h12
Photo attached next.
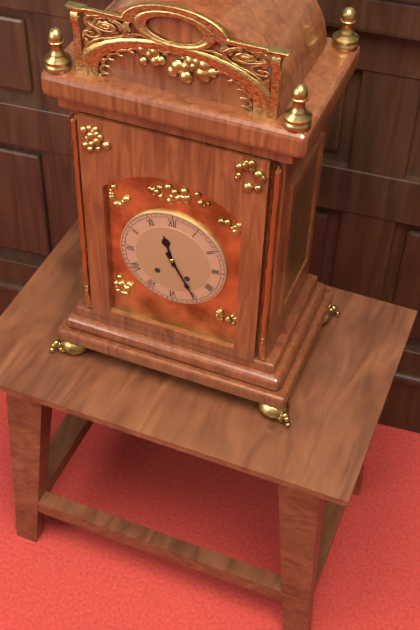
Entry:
11h25
